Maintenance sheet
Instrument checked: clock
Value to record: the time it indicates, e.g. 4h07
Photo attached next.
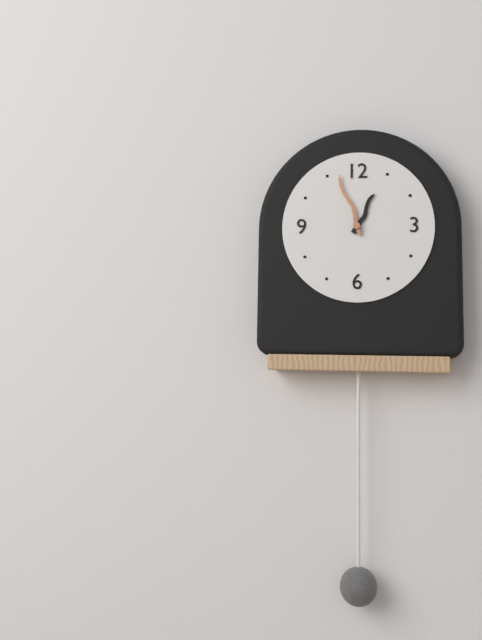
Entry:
12h57
